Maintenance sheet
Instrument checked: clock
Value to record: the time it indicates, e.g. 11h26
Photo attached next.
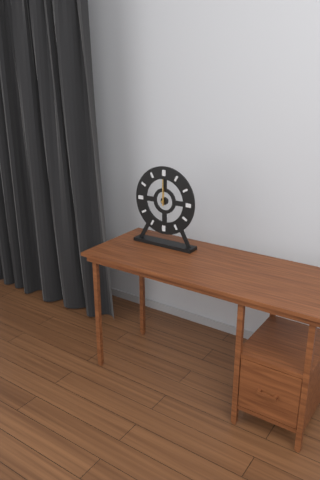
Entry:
12h00
